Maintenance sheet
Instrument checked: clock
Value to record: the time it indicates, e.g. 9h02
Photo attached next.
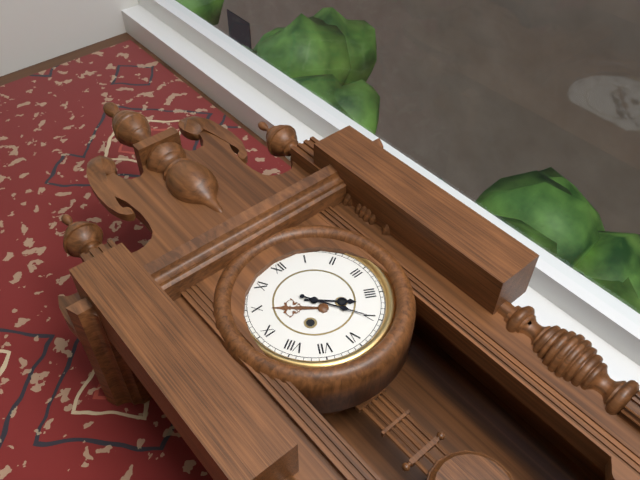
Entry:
4h25
